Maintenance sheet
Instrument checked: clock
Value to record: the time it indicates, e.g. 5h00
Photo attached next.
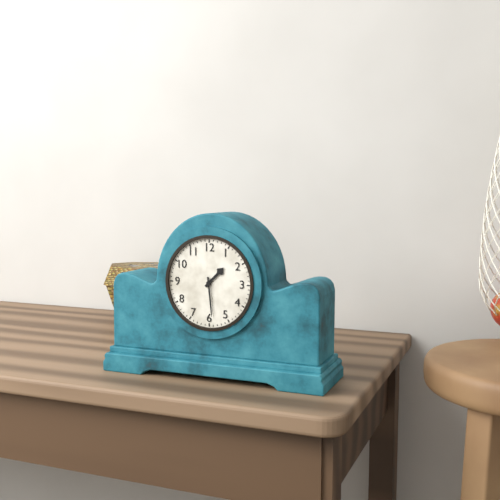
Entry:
1h29
